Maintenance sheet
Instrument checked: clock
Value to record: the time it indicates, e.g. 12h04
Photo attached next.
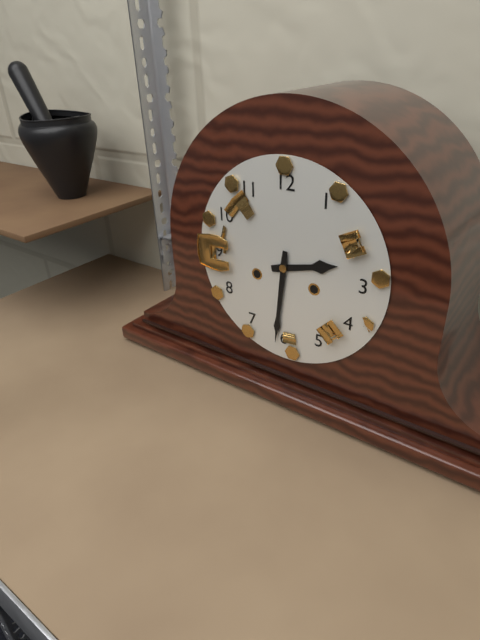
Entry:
2h31
